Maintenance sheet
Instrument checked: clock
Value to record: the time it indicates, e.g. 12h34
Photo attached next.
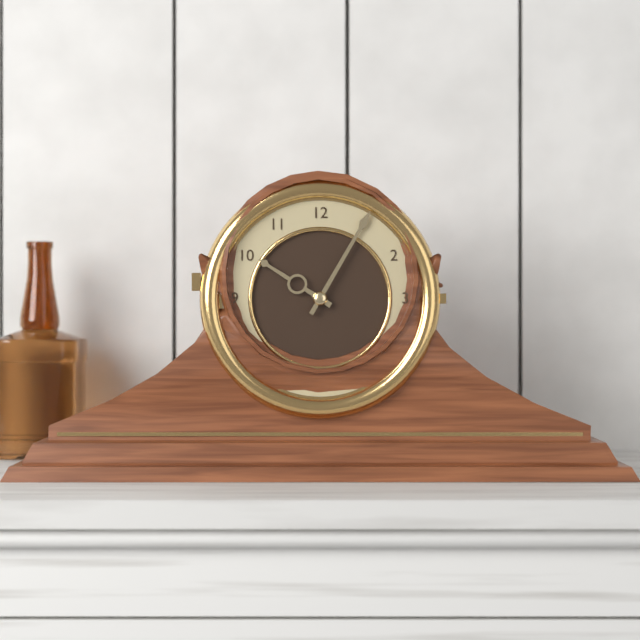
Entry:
10h05
